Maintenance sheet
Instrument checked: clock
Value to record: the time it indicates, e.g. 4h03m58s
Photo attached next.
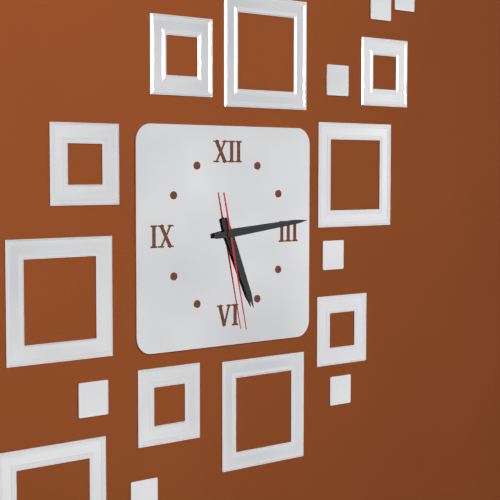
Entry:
5h14m28s
